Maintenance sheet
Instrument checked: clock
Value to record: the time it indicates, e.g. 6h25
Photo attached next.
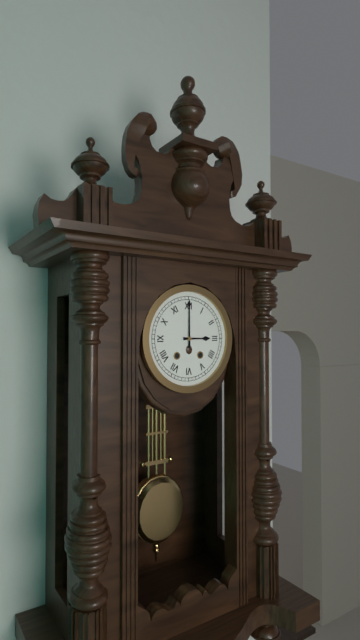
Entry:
3h00
